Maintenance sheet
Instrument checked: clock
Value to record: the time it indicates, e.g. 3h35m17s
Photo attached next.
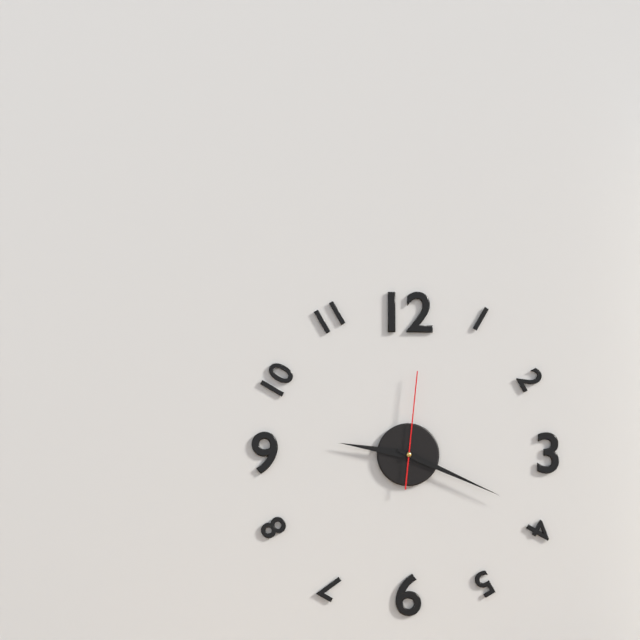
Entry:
9h19m01s
